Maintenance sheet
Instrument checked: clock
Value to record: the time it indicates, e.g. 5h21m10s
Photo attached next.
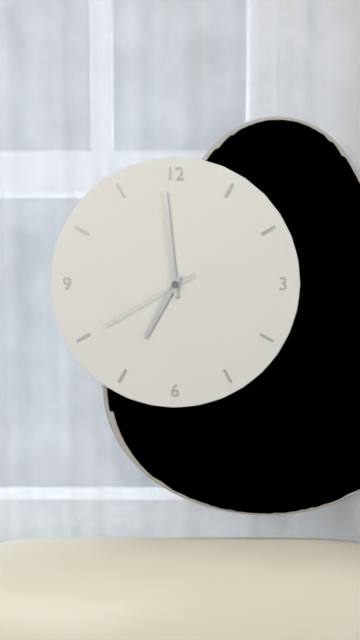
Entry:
6h59m40s
